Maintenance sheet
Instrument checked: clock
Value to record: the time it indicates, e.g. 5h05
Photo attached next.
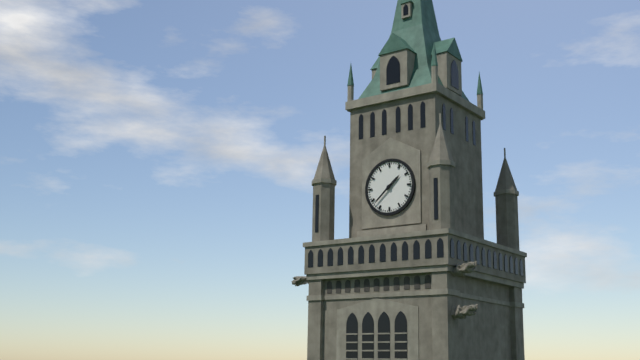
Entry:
1h38
